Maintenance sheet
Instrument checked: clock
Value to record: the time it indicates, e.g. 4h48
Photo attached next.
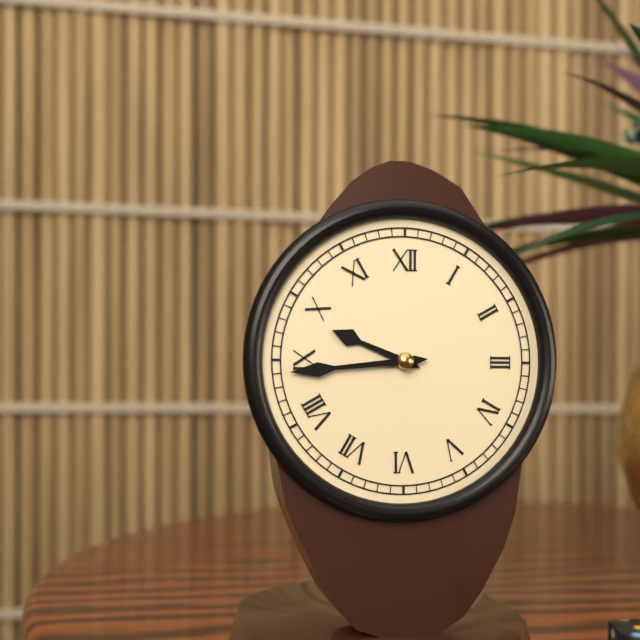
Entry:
9h44
